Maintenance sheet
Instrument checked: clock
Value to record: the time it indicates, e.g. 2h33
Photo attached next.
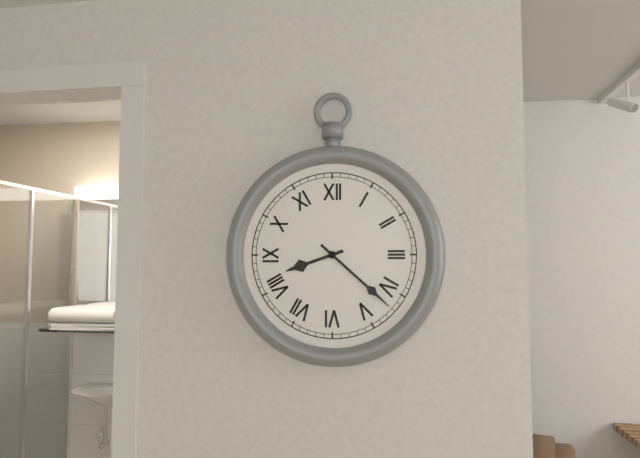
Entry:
8h22
